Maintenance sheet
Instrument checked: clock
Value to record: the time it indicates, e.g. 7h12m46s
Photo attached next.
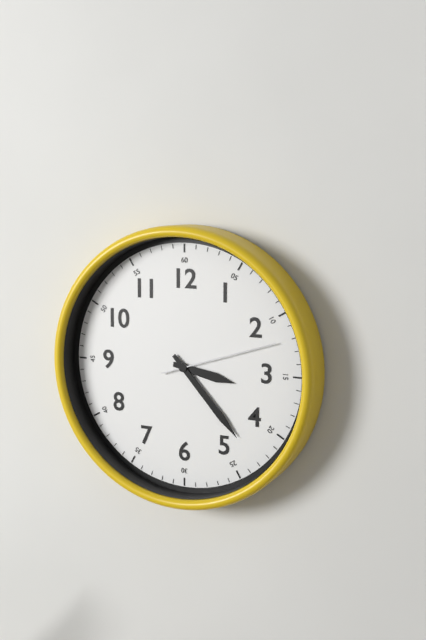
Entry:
3h23m12s
